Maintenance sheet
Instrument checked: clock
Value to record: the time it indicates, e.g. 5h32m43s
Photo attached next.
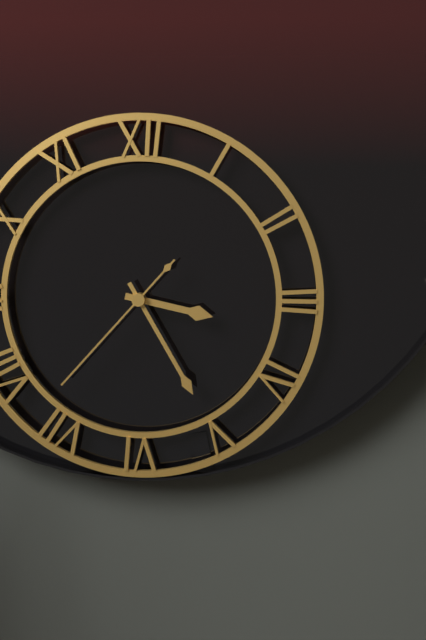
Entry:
3h25m37s
